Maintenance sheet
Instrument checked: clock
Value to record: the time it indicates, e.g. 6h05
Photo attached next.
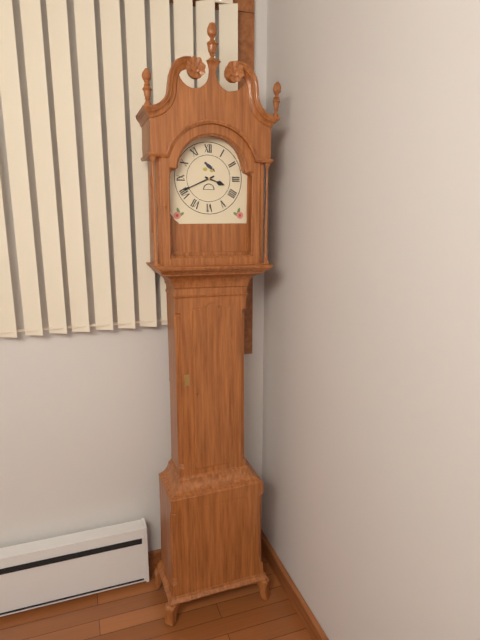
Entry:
3h41
